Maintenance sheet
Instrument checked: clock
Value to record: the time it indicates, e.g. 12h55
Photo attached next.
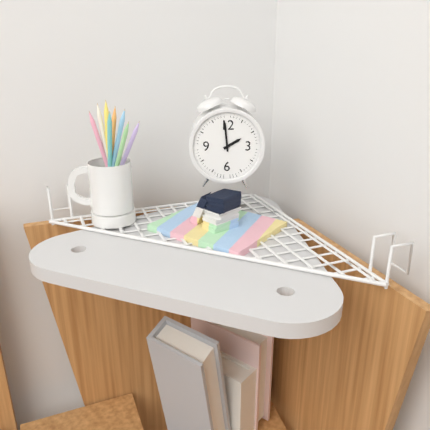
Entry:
1h59
